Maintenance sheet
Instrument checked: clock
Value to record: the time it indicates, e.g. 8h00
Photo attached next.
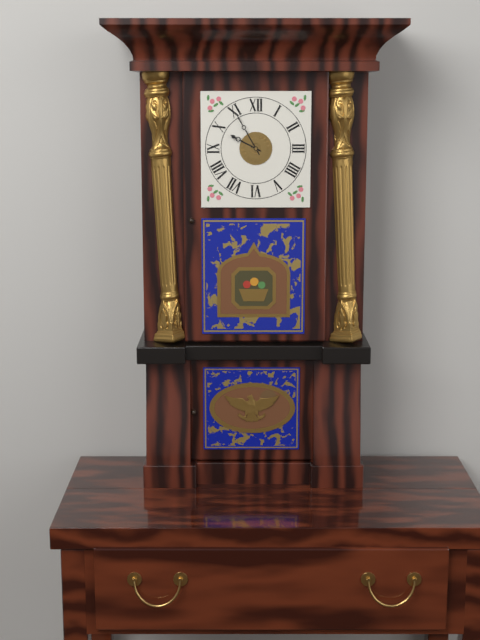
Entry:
9h55
